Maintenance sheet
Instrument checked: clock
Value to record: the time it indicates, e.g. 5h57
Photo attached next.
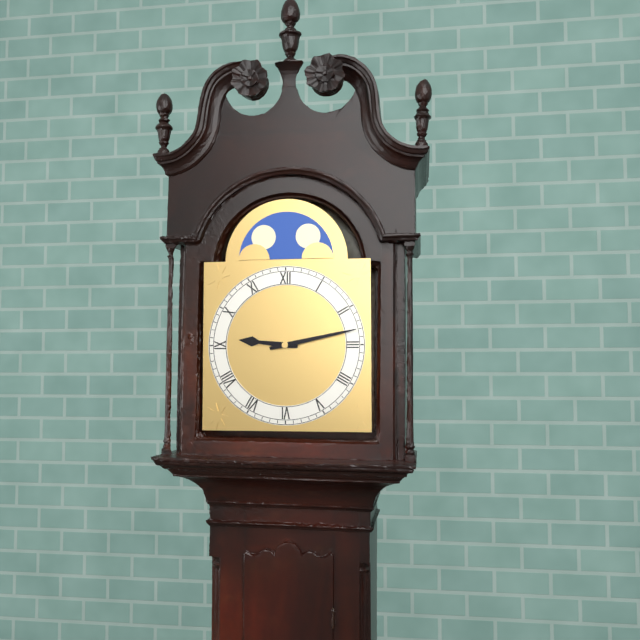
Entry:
9h13
